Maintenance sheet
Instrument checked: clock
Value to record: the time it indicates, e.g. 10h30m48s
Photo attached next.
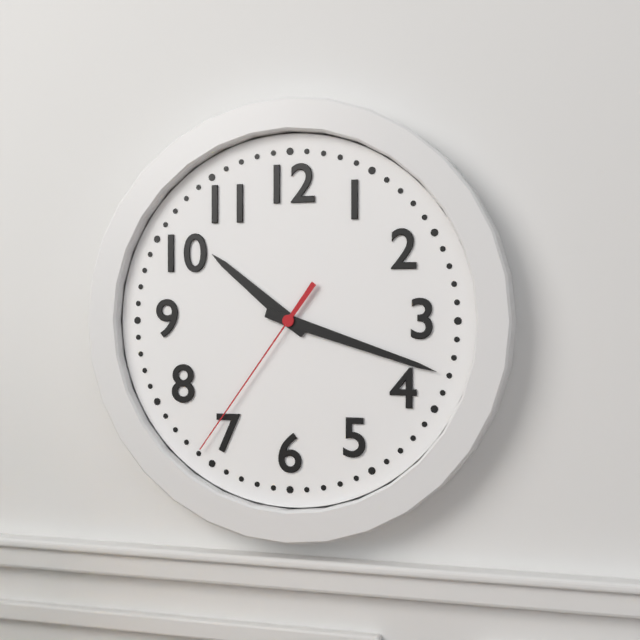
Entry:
10h18m36s
